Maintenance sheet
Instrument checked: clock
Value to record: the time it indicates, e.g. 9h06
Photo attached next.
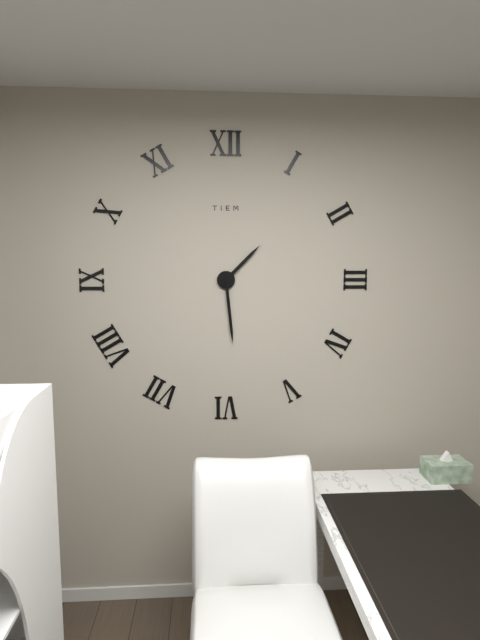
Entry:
1h29
